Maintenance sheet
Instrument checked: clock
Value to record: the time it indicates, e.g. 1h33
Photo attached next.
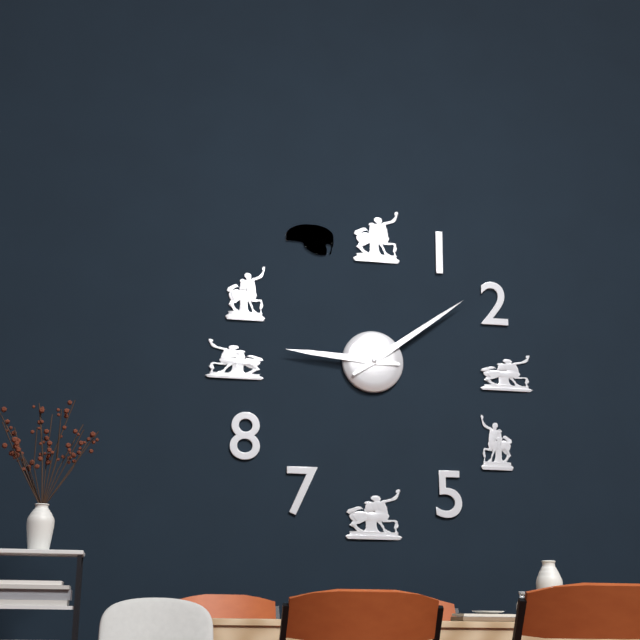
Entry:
9h09
